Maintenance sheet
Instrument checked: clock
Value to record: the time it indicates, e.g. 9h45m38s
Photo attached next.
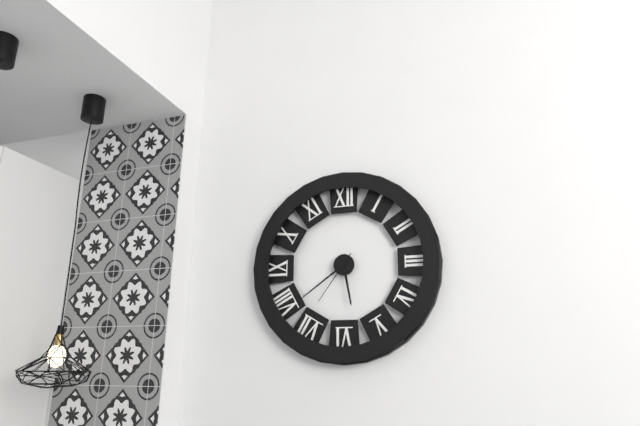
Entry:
5h39m36s
